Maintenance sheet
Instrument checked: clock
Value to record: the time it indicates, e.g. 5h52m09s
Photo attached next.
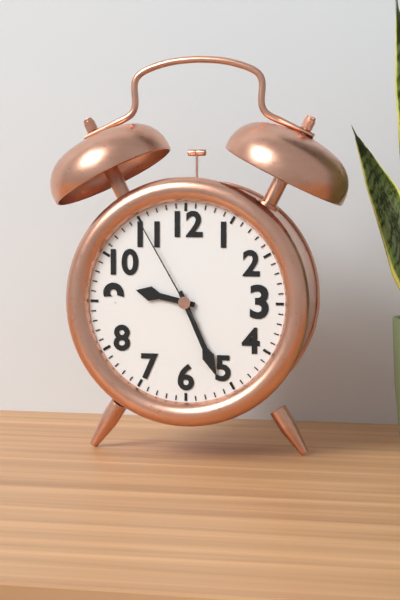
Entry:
9h26m55s
